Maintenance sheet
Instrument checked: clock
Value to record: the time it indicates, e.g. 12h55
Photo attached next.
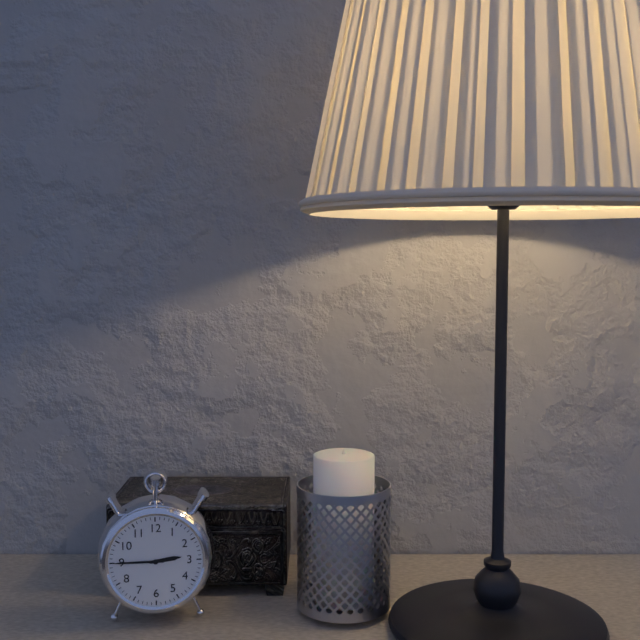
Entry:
2h45
